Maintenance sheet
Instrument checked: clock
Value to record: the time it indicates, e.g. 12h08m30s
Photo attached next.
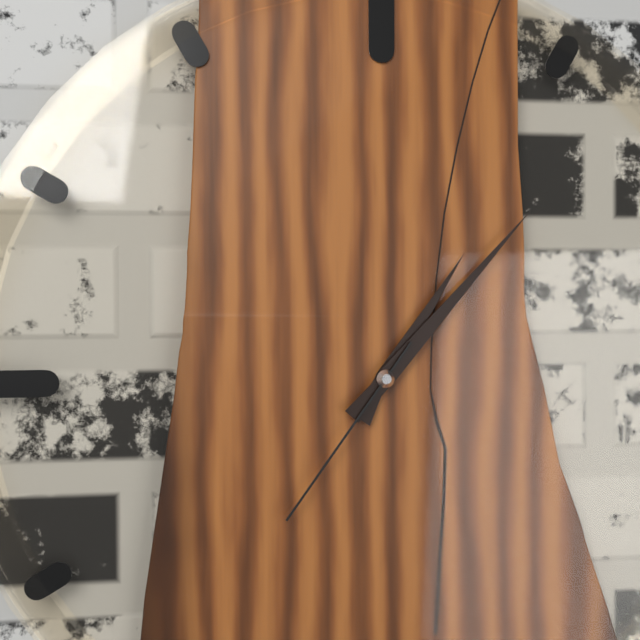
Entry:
1h07m36s
